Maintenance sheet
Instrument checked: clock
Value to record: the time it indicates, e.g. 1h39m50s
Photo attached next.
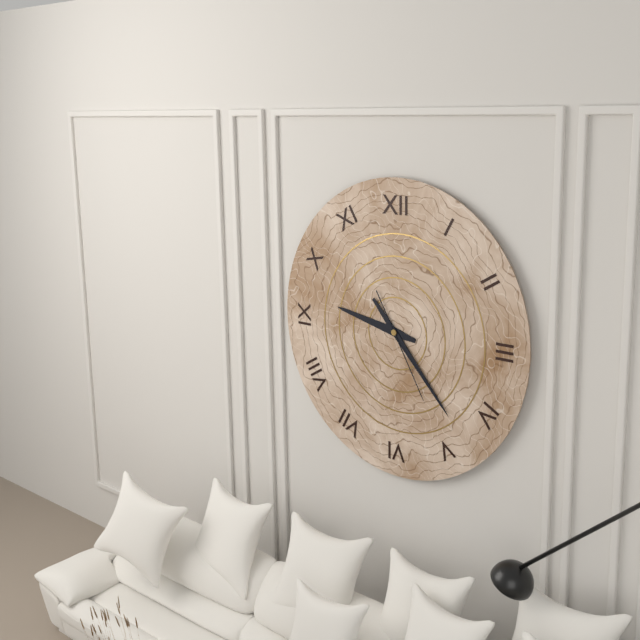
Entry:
9h23m25s
